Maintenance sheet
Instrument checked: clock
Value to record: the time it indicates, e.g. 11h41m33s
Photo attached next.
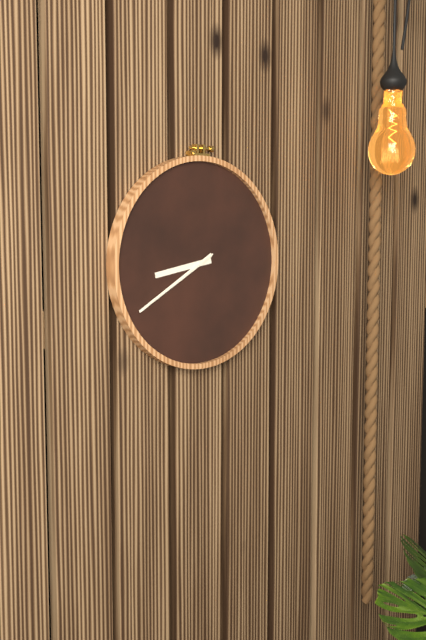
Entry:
8h40m40s
